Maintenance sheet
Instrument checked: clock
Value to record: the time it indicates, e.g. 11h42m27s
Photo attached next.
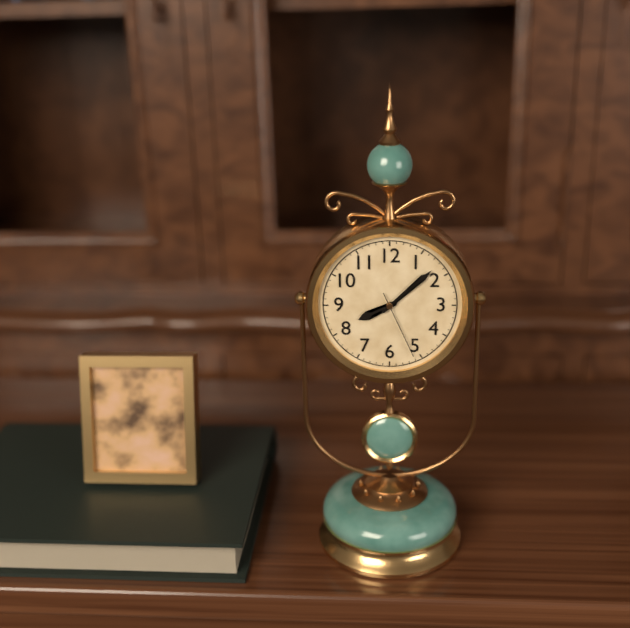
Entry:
8h08m26s
